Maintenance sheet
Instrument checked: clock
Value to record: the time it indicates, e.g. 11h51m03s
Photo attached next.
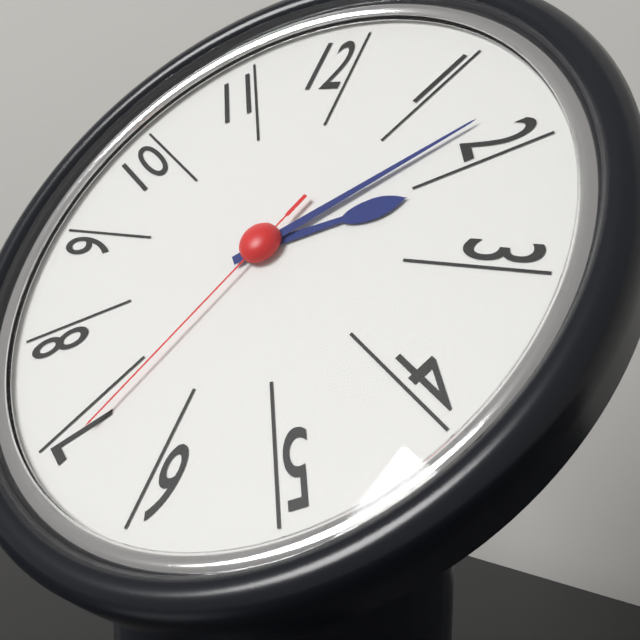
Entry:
2h08m34s
